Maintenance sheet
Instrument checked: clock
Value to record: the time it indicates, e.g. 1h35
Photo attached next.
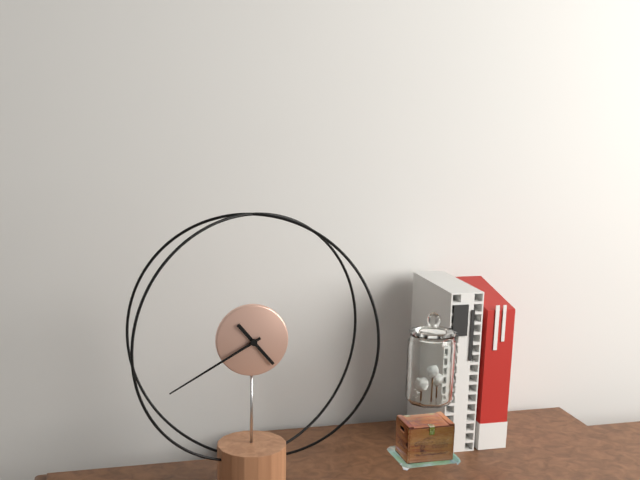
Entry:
4h40
